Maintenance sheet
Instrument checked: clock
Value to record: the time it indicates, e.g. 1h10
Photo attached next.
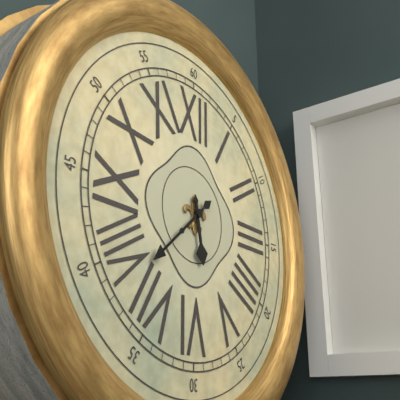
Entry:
5h38
